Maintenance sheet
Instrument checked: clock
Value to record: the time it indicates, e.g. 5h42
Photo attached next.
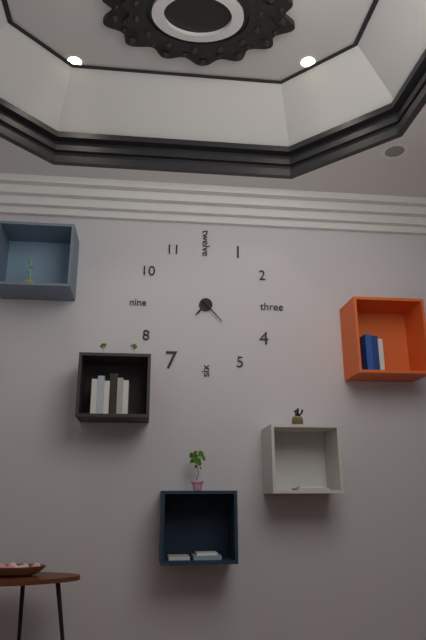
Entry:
7h23
